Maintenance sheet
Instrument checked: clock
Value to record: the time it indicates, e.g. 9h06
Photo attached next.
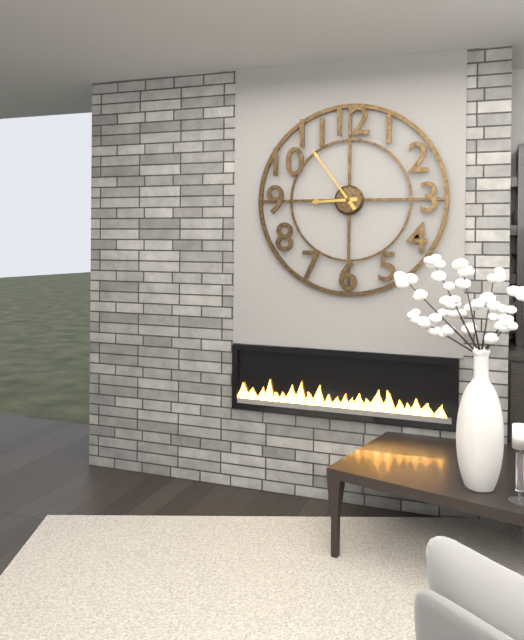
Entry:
8h54
